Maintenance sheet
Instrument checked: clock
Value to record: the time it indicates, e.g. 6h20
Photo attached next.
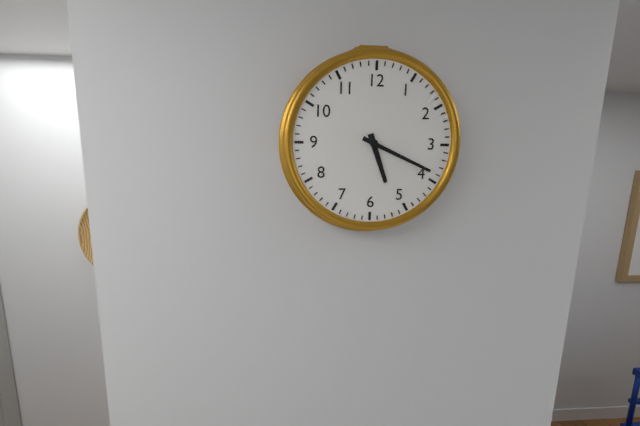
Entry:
5h19
